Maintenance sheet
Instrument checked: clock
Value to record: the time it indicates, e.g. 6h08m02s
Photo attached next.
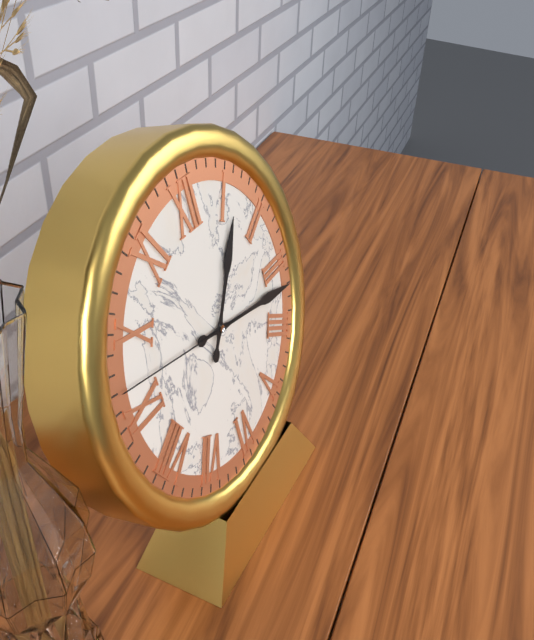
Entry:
1h17m47s
